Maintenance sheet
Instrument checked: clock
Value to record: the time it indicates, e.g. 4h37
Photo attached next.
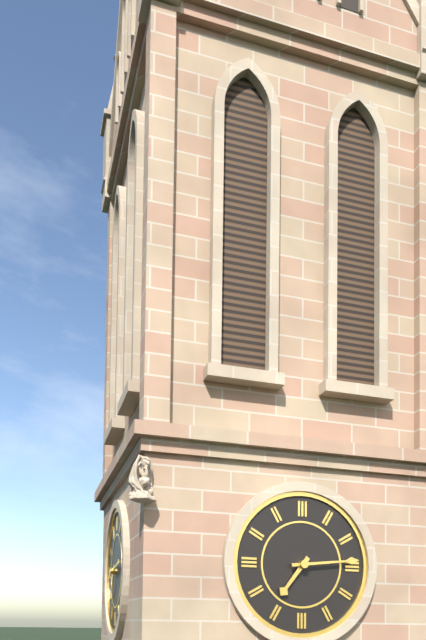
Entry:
7h14
